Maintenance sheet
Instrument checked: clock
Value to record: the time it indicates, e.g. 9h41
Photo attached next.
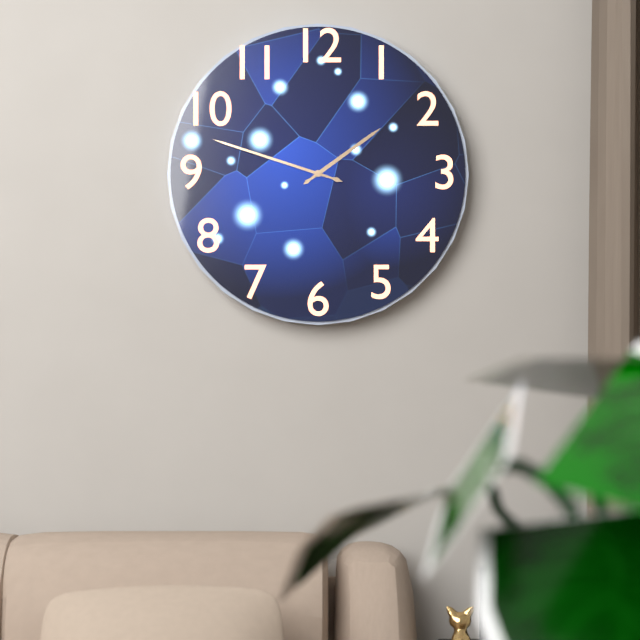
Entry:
1h48
